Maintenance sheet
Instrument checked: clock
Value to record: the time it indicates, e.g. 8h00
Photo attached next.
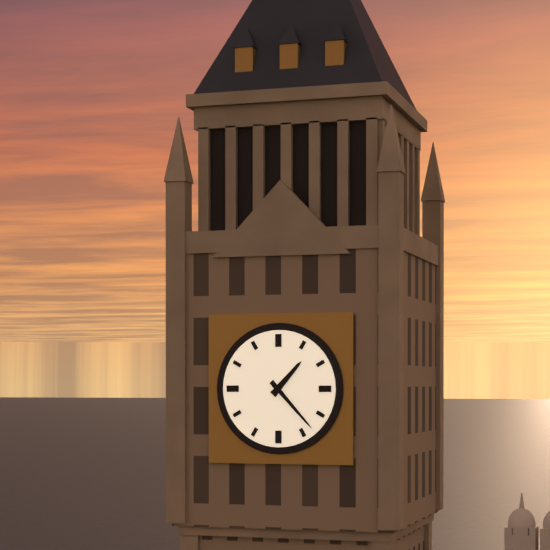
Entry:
1h23
